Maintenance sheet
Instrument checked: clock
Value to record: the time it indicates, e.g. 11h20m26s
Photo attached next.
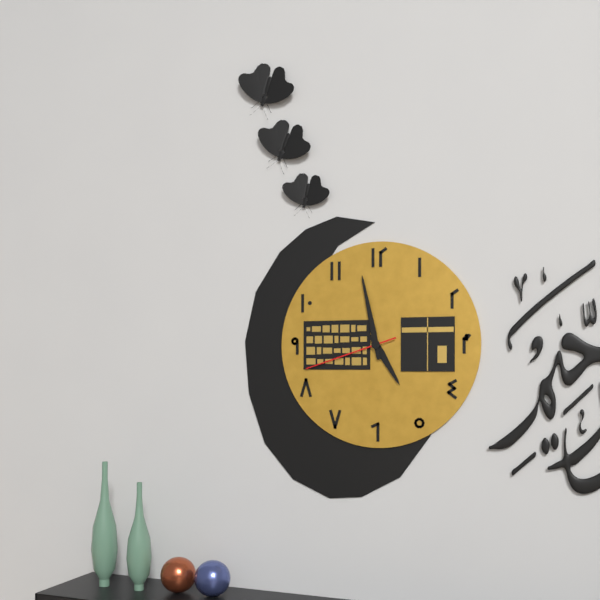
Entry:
4h58m42s
